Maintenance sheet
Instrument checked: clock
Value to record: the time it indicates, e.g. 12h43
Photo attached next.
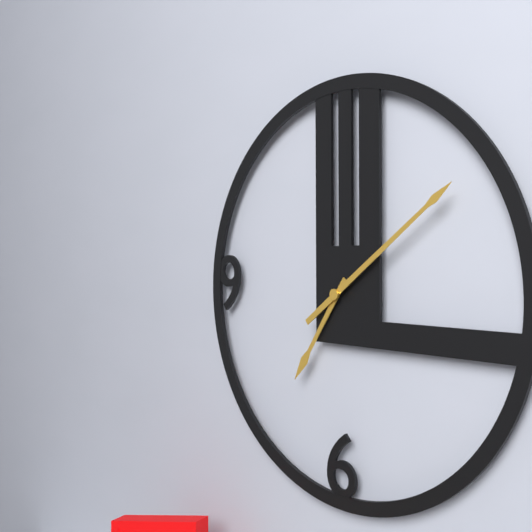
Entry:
7h09
